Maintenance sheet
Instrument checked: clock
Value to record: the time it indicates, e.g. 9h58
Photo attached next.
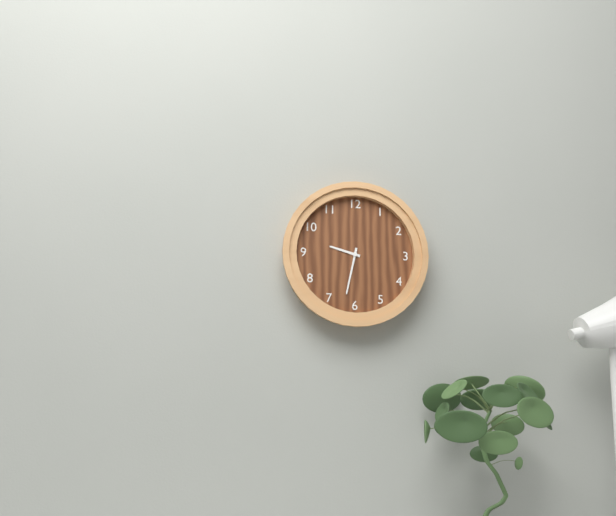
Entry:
9h32
